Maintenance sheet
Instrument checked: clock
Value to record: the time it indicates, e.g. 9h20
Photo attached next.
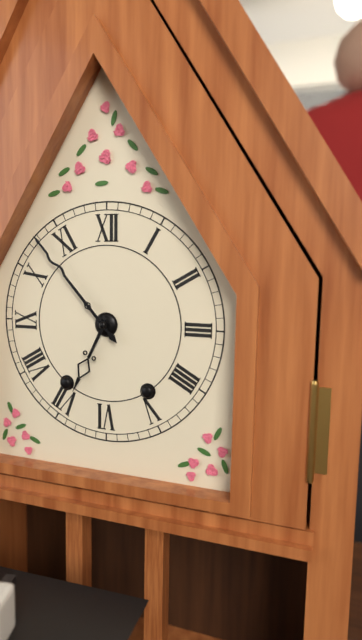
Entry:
6h53
